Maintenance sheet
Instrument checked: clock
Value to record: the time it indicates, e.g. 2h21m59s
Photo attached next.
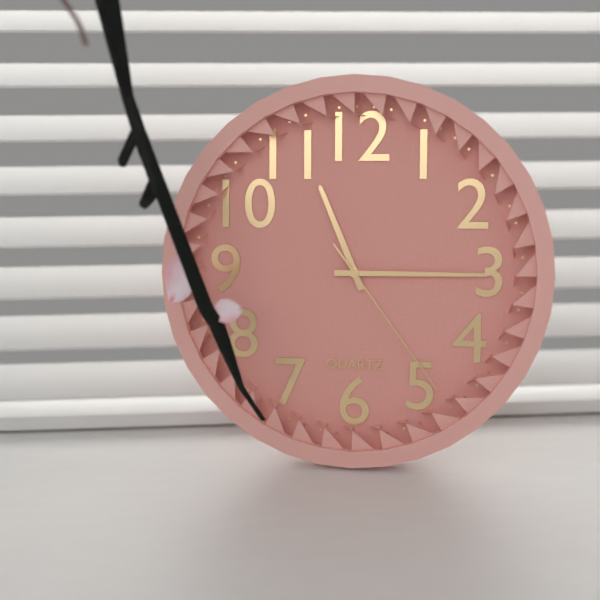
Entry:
11h15m24s
